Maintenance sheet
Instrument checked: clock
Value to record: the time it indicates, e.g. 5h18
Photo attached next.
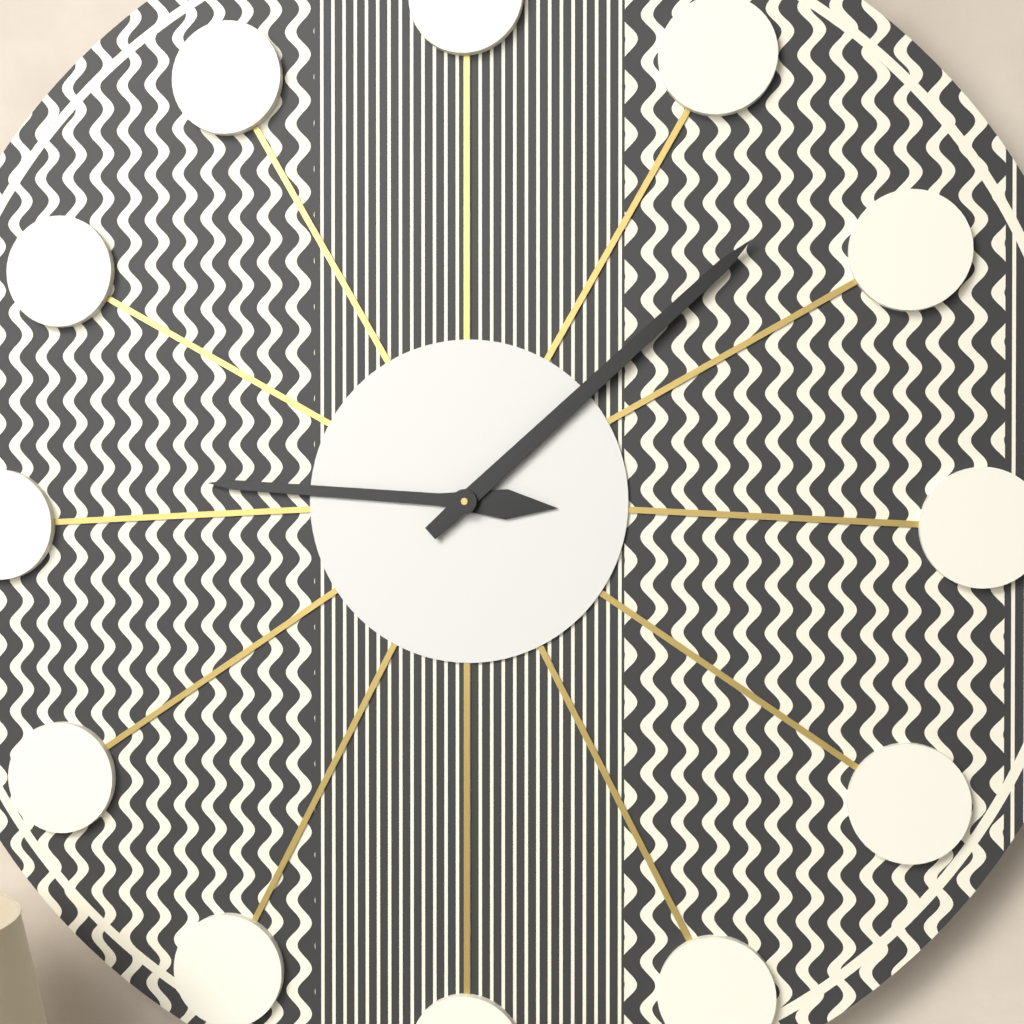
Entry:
9h08
